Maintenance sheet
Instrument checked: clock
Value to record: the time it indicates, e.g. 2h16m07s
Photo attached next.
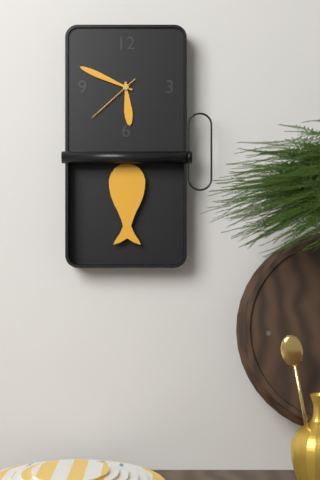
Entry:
5h49m38s
